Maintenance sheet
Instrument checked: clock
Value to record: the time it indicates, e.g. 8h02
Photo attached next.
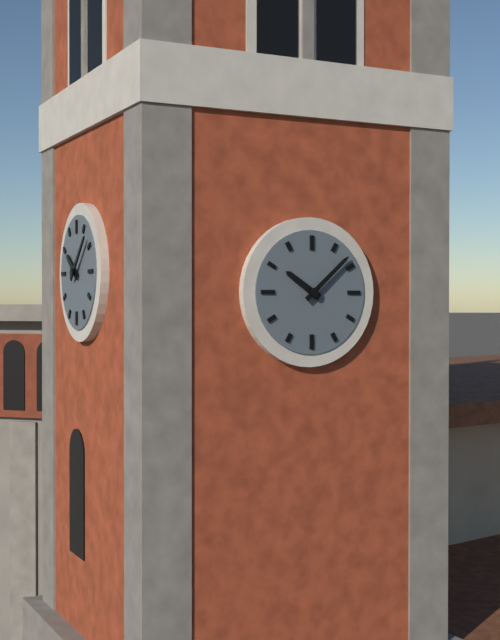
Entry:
10h08
